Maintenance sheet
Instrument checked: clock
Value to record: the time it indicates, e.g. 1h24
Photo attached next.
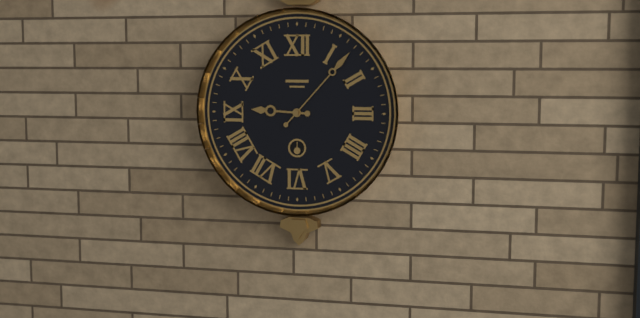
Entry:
9h07
